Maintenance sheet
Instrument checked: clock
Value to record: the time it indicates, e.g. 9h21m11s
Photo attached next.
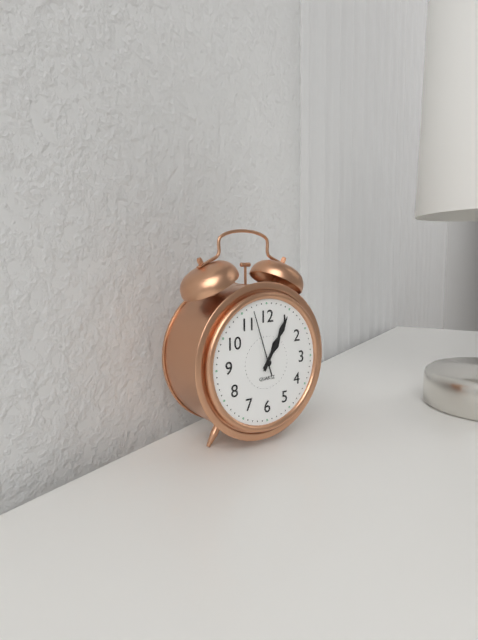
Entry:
1h05m57s
